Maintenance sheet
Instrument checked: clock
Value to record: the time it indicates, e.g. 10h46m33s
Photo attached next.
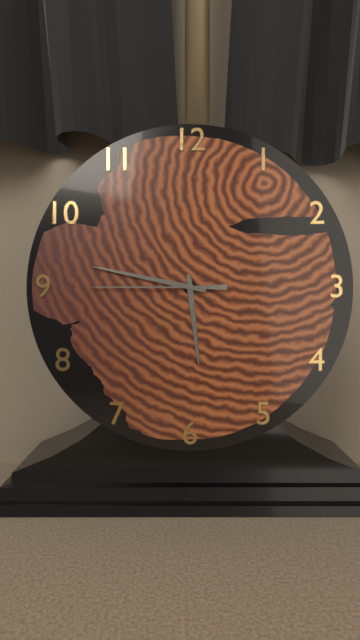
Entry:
5h47m45s
